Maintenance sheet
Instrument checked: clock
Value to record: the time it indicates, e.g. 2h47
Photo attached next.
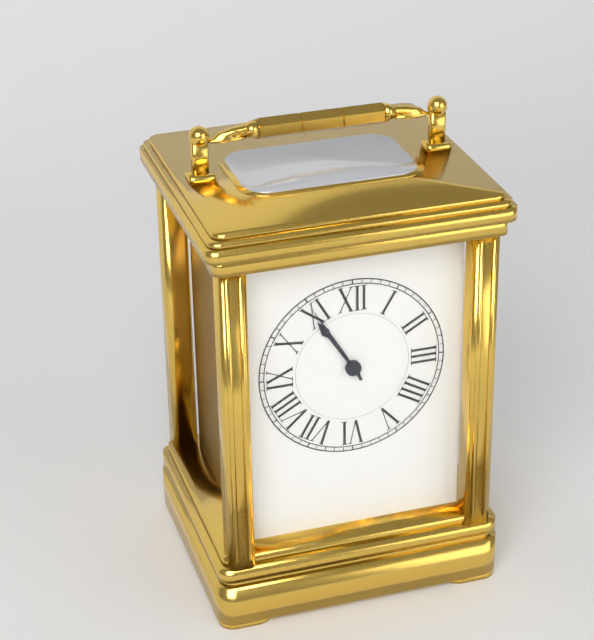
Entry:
10h55
